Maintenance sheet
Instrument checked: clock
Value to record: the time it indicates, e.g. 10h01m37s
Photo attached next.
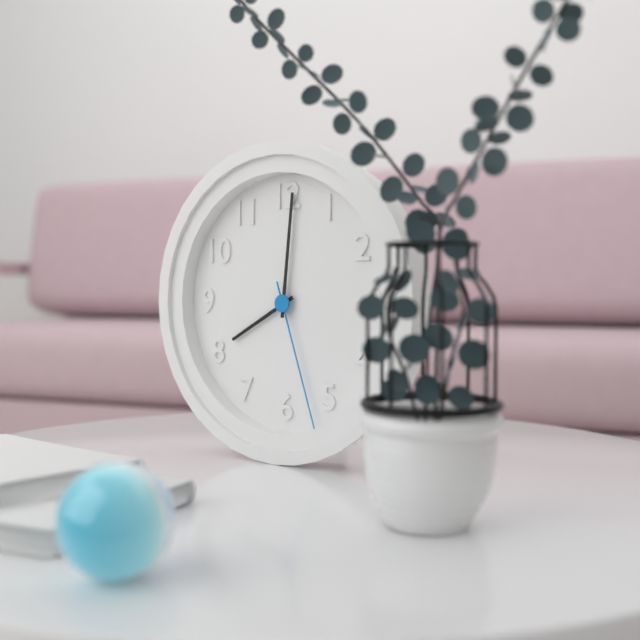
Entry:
8h01m27s
